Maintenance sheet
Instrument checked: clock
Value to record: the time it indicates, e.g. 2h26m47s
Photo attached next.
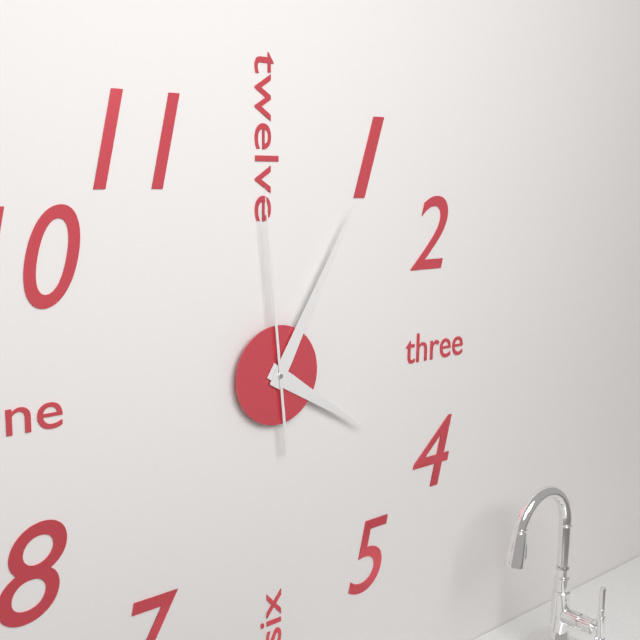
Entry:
4h05m59s
